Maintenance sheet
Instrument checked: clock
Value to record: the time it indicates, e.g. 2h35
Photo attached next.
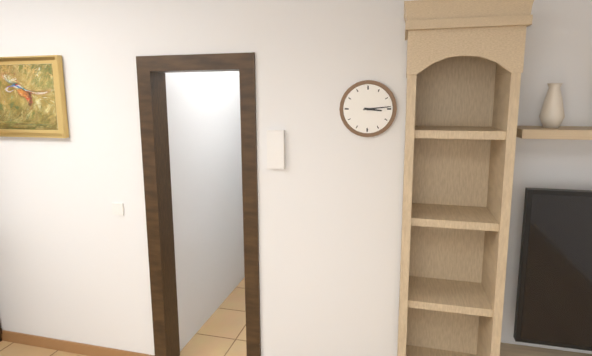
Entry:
3h14
